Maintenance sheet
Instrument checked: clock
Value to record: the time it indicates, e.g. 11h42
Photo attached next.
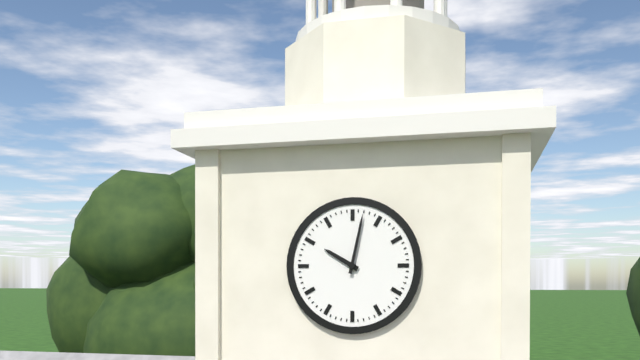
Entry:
10h02
